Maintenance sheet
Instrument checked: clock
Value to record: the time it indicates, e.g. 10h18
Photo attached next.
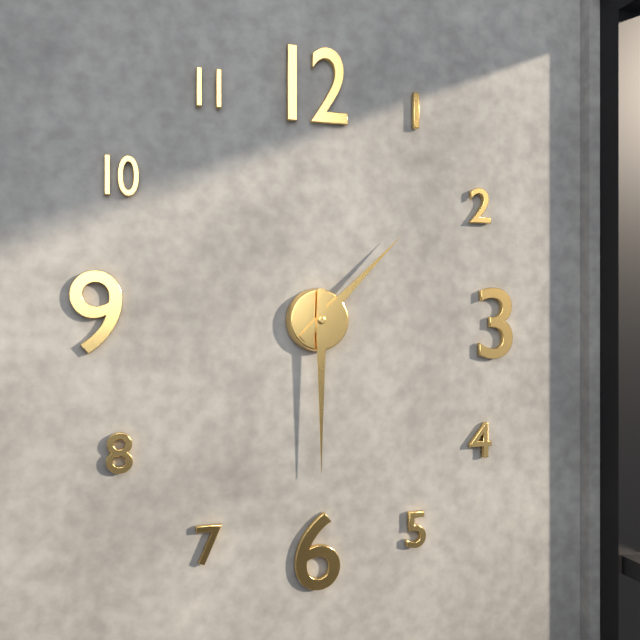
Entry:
1h30
